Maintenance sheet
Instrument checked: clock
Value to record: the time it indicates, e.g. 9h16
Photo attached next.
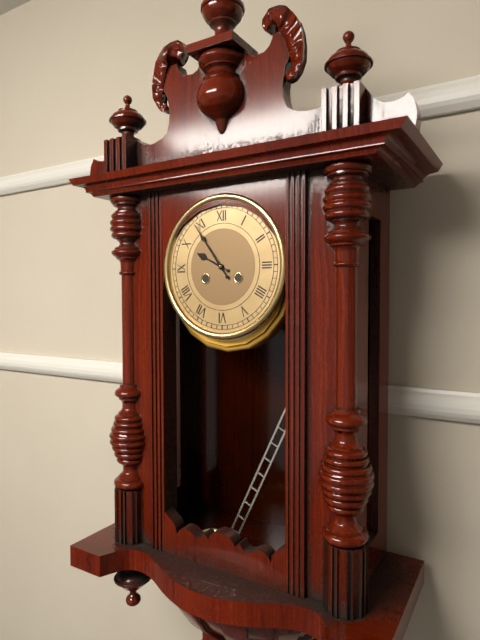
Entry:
9h54
